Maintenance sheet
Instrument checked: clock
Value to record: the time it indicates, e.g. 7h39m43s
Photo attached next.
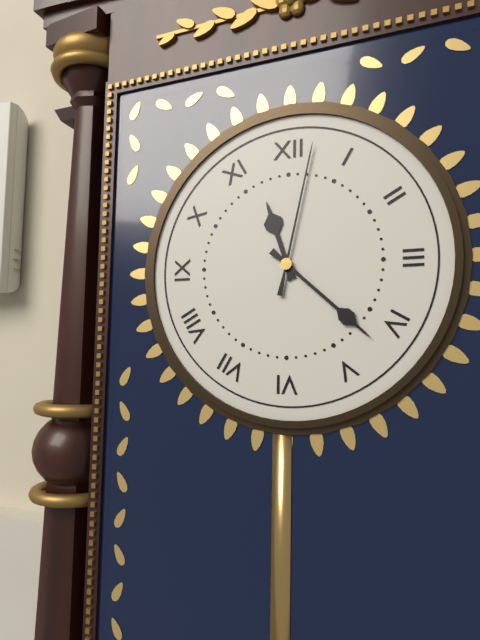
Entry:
11h22m02s
